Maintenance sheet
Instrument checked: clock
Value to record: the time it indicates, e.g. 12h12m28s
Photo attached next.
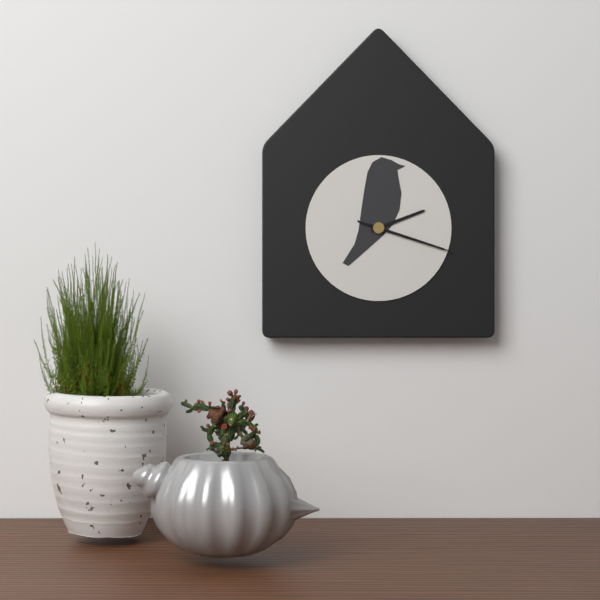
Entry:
2h18m18s
